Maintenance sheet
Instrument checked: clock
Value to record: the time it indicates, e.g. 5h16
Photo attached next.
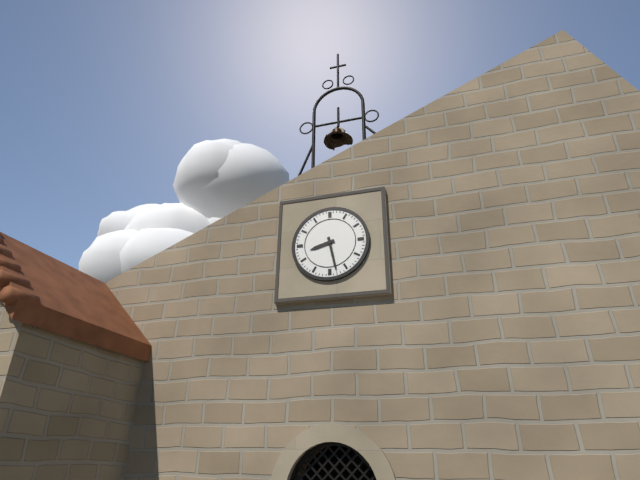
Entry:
8h28
